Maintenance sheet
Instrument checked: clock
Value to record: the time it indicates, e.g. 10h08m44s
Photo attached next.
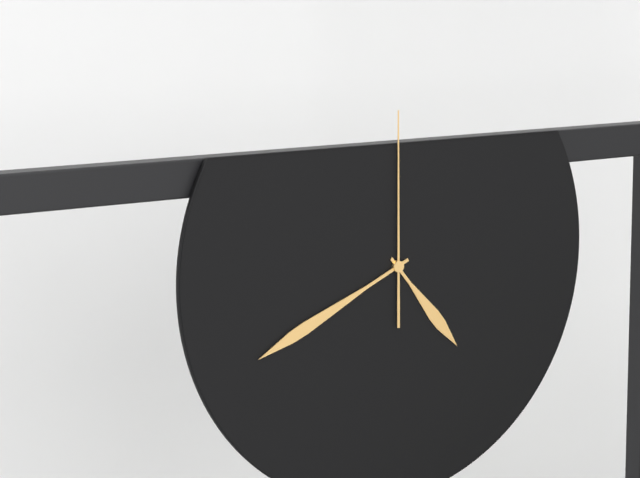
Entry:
4h41m00s
